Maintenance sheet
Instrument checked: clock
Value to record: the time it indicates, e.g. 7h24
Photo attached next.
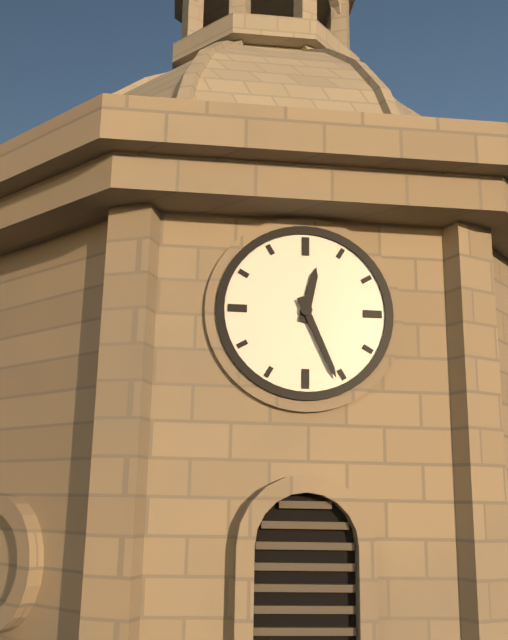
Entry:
12h26
